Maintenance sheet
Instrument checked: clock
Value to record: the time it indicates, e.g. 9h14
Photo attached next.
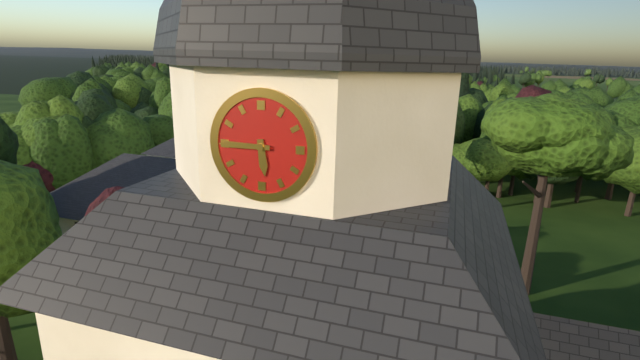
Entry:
5h45
